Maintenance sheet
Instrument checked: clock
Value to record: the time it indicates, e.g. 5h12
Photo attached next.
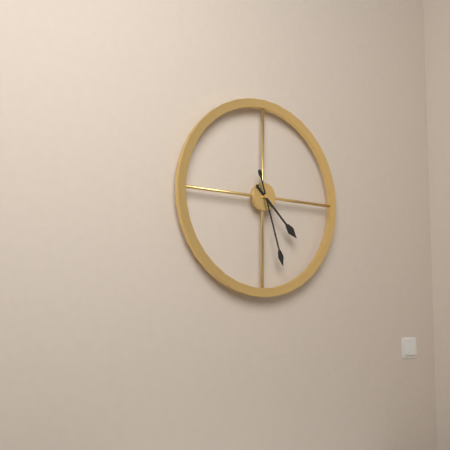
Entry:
4h27
